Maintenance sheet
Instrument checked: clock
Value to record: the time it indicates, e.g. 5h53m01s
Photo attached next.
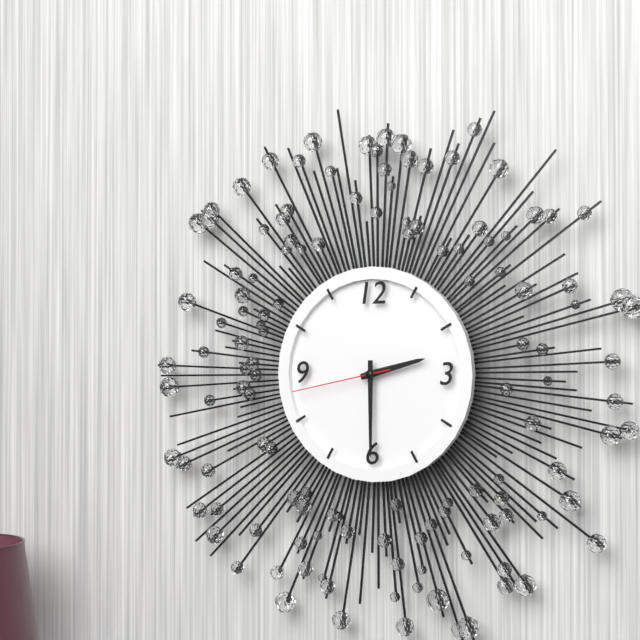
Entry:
2h30m43s
